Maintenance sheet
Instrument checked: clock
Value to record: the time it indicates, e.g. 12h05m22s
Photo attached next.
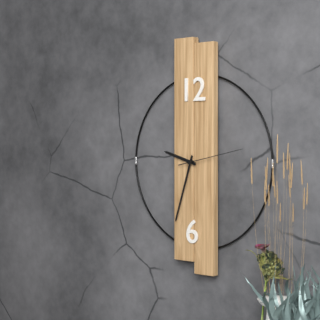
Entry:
9h33m13s
